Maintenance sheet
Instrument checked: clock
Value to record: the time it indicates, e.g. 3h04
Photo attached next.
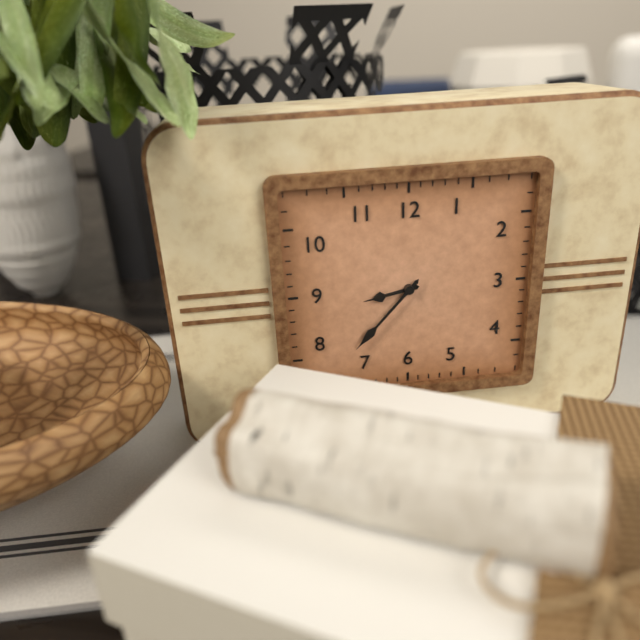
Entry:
8h37
